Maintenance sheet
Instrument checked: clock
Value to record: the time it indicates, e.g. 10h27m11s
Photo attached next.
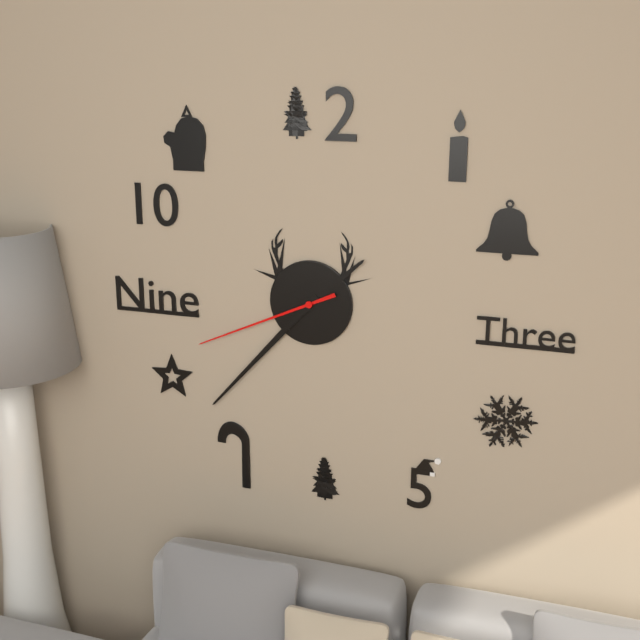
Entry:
1h37m41s
